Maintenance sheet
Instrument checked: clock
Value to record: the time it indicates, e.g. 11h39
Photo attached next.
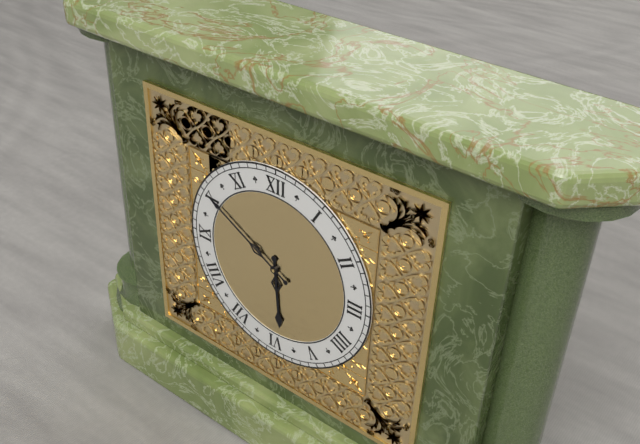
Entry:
5h50
